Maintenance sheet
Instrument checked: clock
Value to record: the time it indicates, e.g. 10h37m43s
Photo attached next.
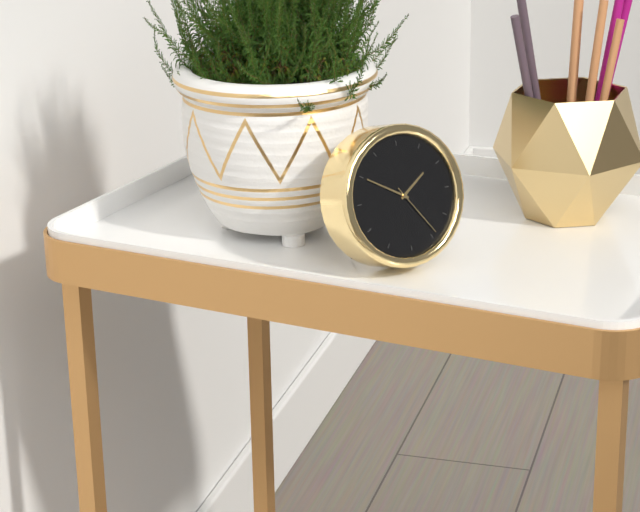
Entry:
1h50m24s
